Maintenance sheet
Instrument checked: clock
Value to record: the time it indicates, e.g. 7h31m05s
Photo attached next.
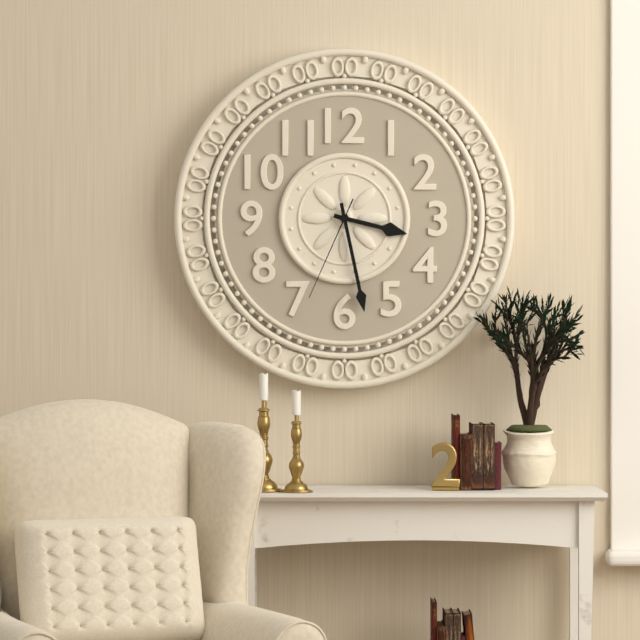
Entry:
3h28m34s
